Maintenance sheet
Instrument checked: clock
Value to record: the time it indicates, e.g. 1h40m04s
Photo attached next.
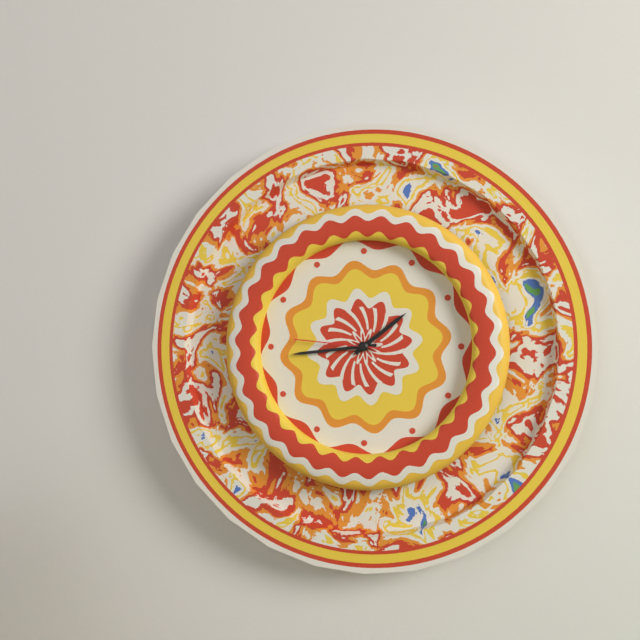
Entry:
1h44m46s
